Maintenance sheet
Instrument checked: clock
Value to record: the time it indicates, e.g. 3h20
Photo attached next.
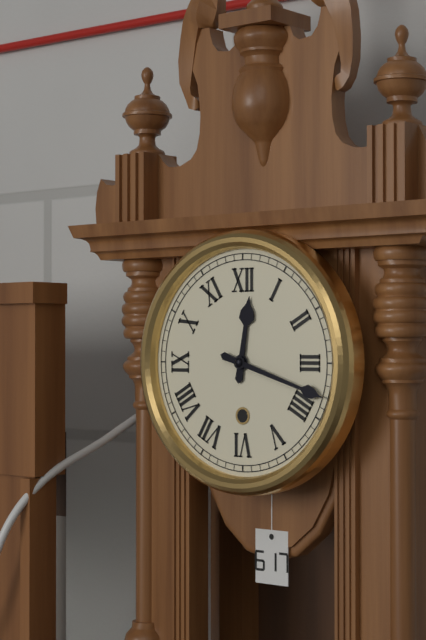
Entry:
12h18
